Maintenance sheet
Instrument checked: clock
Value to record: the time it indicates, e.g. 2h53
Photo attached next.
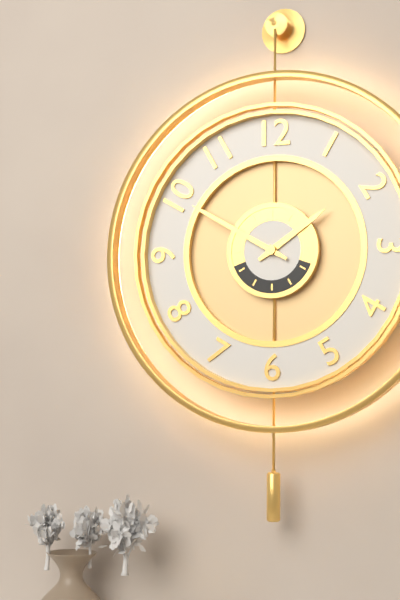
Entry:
1h50
